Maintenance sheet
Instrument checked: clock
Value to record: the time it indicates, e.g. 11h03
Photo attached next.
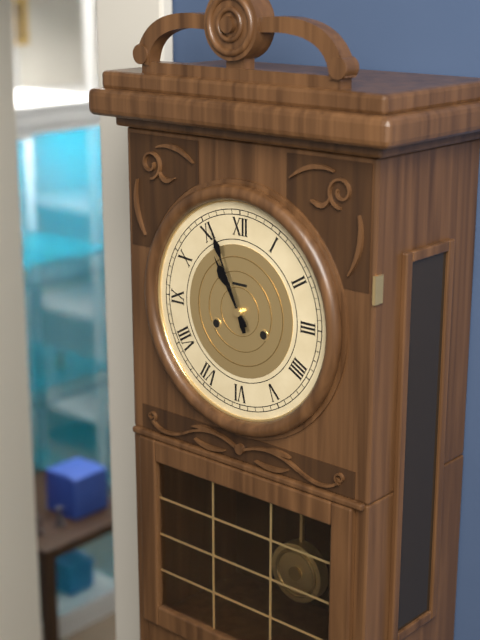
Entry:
10h56
